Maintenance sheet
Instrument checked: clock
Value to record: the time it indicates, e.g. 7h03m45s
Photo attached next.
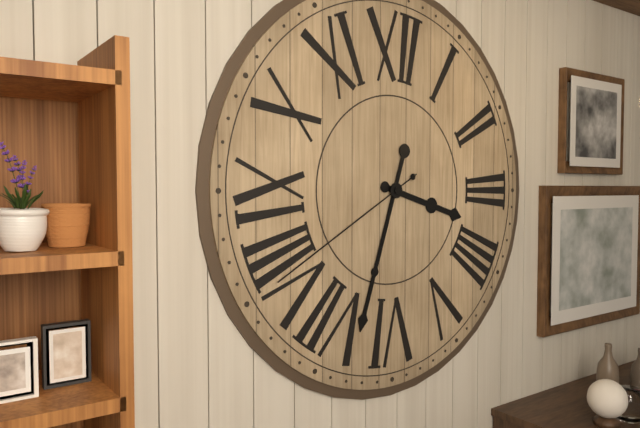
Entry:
3h33m40s
